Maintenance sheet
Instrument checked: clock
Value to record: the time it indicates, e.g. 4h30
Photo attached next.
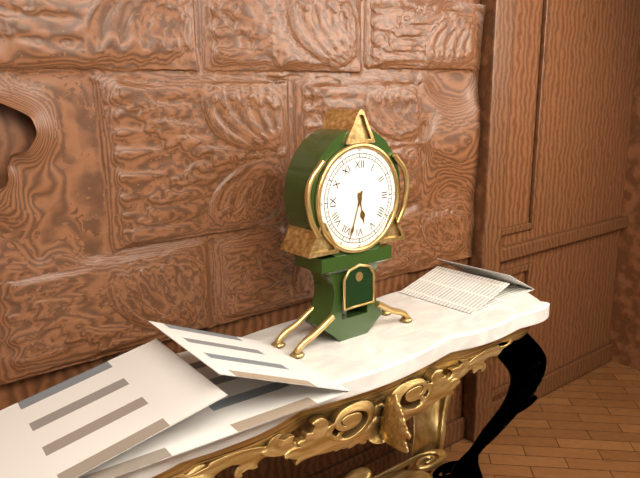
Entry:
5h33
